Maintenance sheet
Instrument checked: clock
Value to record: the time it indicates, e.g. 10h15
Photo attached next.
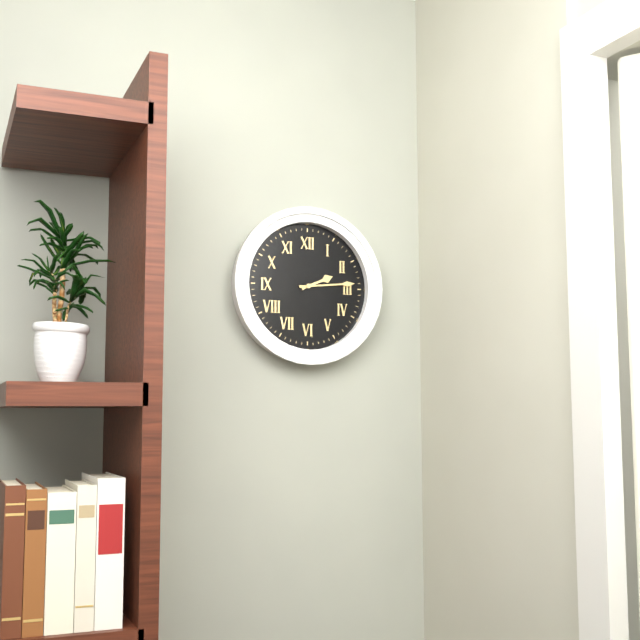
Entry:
2h14
